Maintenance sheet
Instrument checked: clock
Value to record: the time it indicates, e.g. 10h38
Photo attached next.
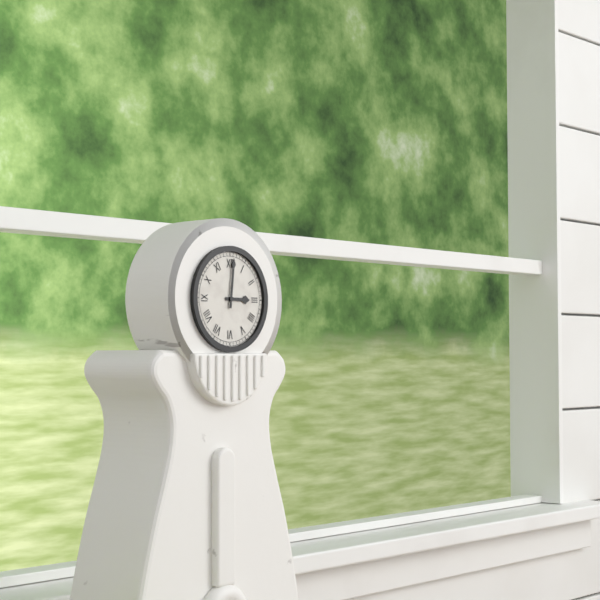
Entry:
3h01
